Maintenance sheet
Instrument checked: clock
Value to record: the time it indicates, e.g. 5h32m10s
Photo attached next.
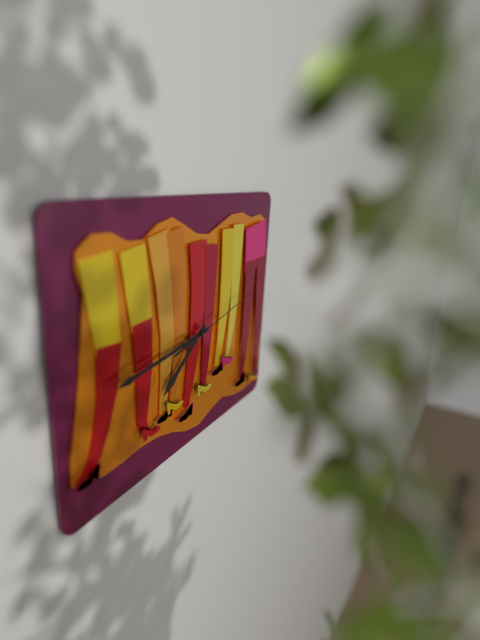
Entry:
7h44m13s
